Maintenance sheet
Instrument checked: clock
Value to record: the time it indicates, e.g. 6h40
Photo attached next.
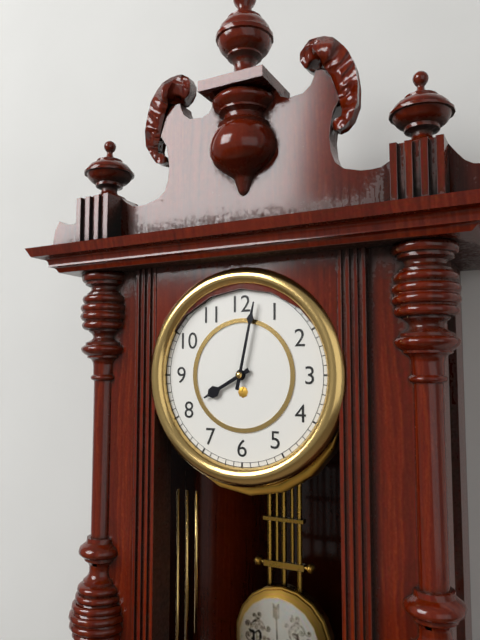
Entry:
8h02
